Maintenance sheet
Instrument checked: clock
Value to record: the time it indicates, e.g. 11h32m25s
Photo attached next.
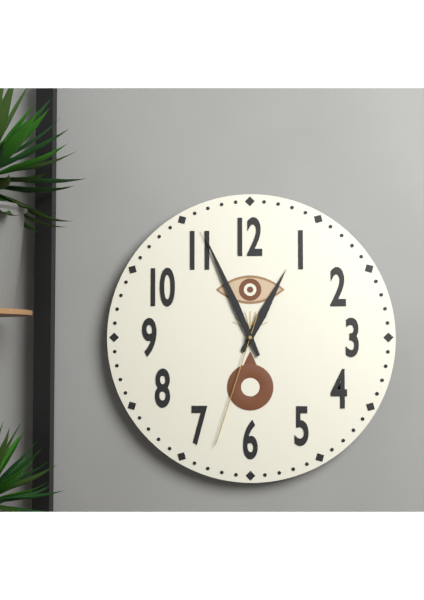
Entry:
12h56m33s
